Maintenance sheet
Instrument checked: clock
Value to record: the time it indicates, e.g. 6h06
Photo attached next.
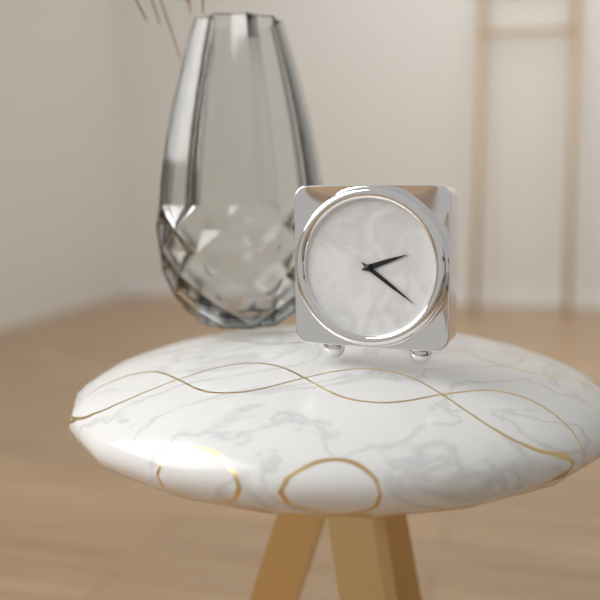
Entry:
2h21
